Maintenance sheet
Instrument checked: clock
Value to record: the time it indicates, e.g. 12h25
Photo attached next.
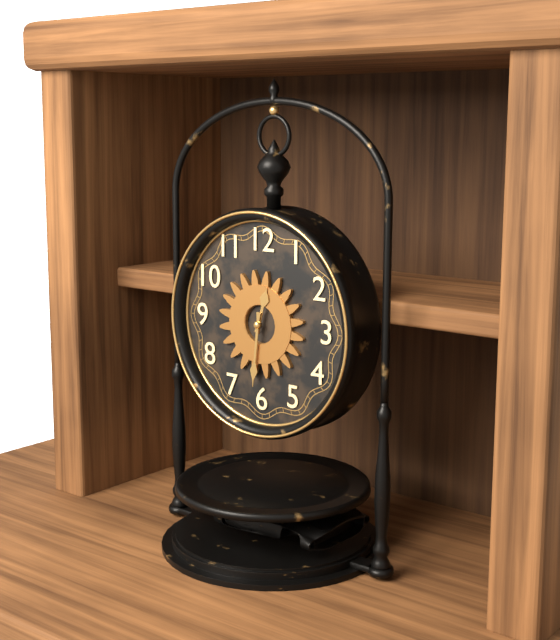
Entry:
12h31
